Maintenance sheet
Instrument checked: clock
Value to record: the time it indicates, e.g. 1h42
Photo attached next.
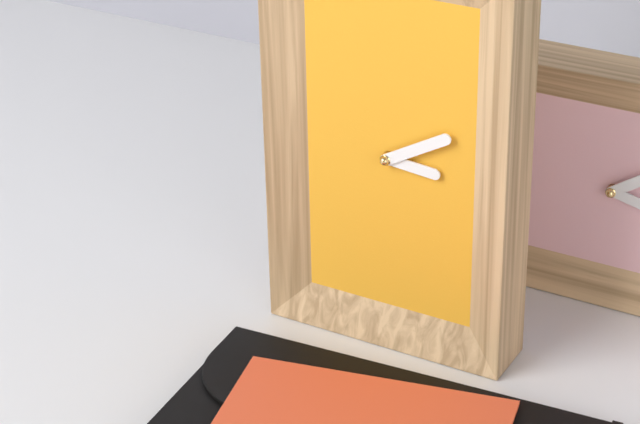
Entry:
3h10
